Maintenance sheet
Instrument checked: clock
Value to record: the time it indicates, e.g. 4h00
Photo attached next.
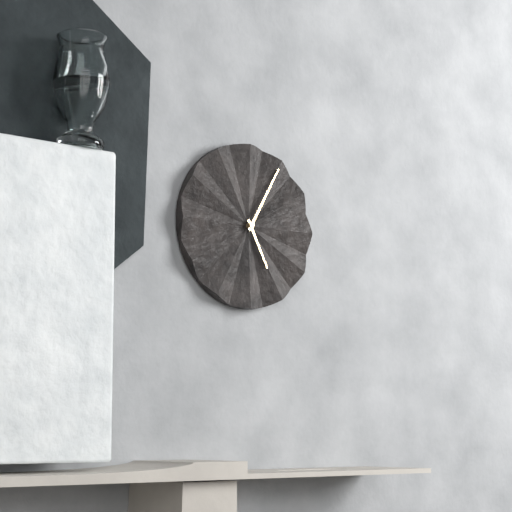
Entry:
5h05
